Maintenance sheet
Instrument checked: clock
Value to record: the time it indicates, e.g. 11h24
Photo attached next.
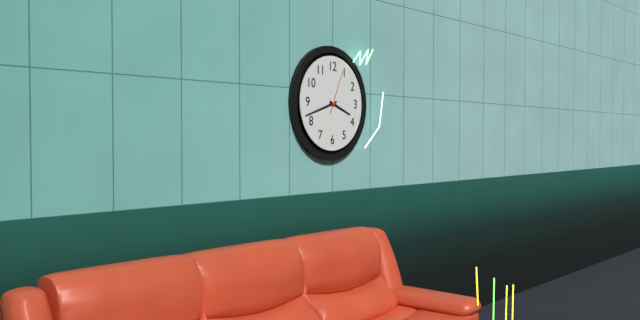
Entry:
3h42
